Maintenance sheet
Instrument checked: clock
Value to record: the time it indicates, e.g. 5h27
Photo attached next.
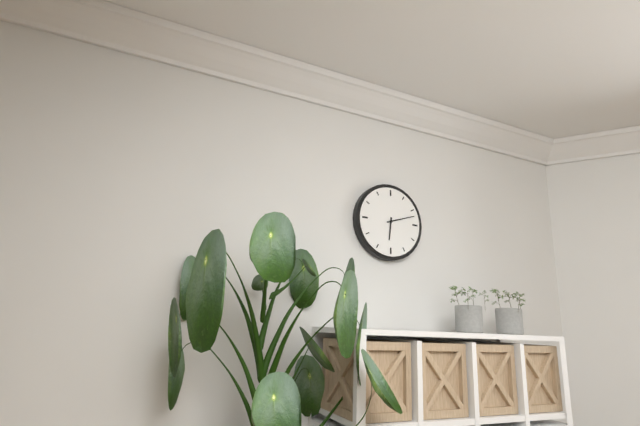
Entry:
6h12
